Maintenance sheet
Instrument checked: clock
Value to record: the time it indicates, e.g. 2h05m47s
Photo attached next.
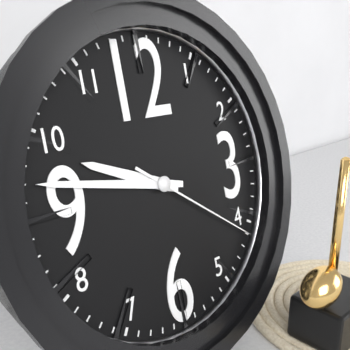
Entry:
9h47m21s
